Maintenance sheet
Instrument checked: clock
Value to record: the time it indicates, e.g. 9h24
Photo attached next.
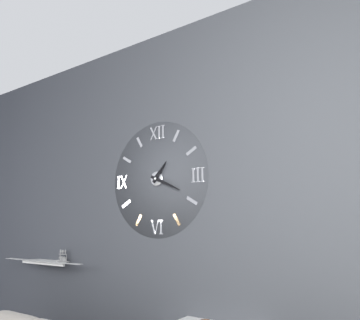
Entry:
1h19
